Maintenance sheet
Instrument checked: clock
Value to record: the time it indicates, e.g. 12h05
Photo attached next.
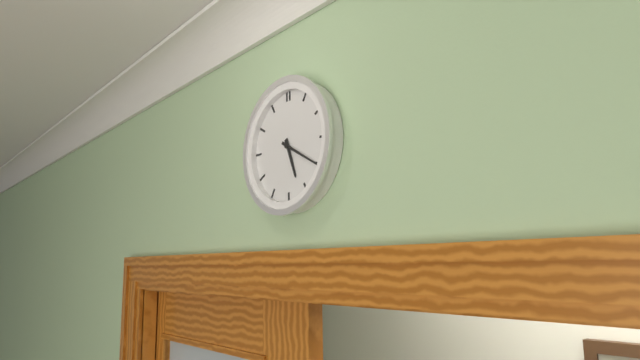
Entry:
5h20
